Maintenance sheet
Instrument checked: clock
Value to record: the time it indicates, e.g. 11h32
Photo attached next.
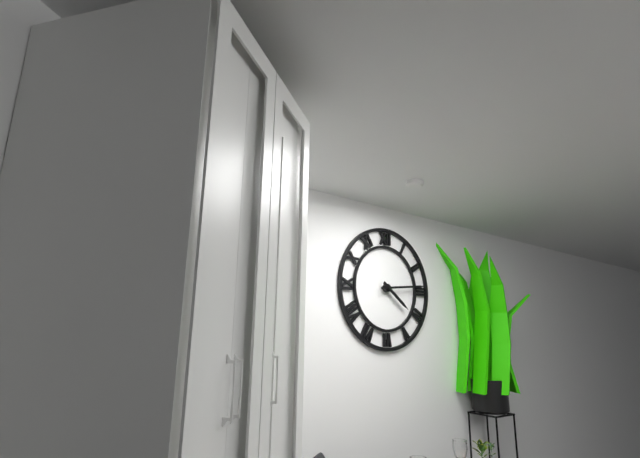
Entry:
4h14
